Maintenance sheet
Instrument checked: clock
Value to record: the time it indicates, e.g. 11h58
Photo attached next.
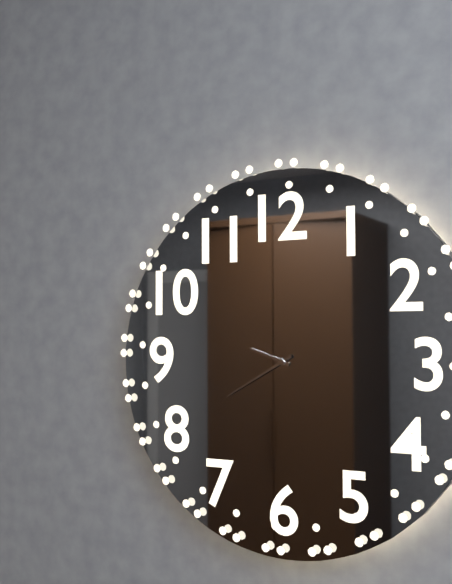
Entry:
9h40
